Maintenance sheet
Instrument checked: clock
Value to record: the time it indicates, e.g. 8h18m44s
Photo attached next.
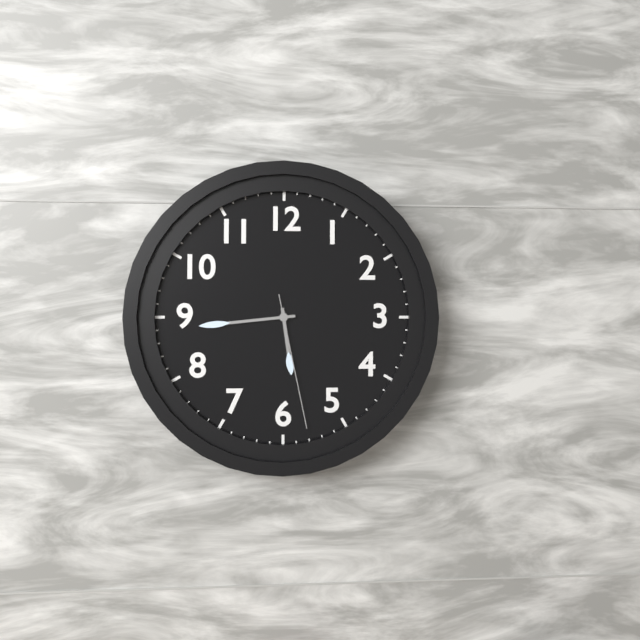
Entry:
5h44m28s
